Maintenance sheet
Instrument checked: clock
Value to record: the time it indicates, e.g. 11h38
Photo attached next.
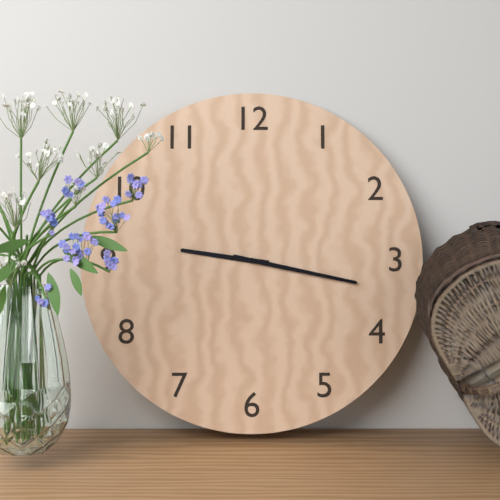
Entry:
9h17
